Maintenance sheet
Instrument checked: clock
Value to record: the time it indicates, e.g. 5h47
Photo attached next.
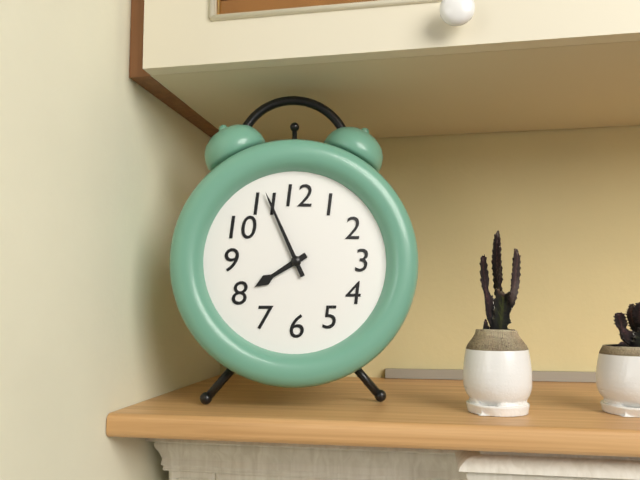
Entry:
7h56
